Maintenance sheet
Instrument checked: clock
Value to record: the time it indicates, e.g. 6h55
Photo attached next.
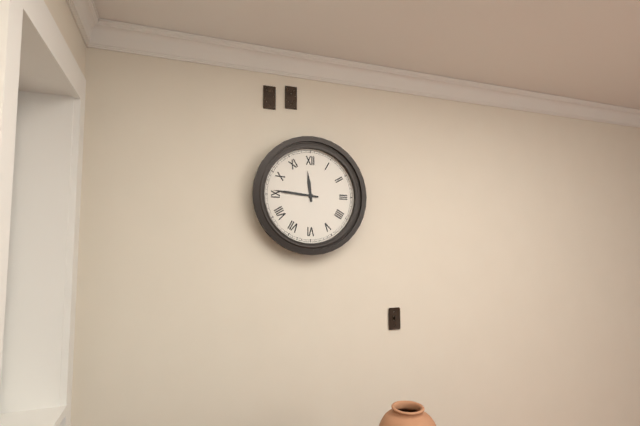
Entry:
11h46
